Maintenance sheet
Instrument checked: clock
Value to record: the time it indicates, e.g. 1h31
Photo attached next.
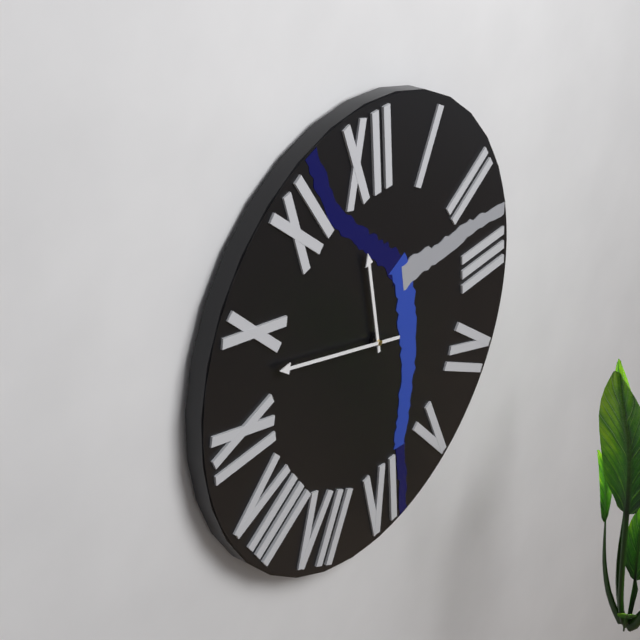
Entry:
11h48
